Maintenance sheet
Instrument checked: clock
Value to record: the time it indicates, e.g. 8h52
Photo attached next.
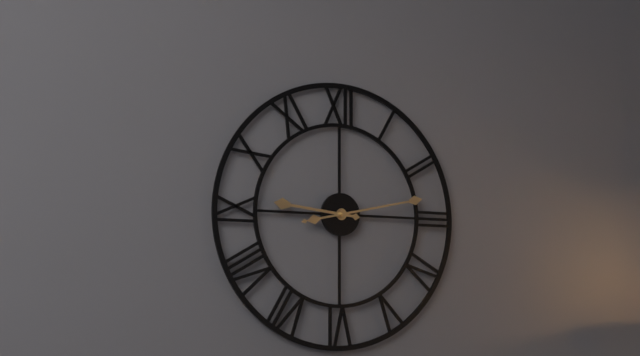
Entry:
9h13
